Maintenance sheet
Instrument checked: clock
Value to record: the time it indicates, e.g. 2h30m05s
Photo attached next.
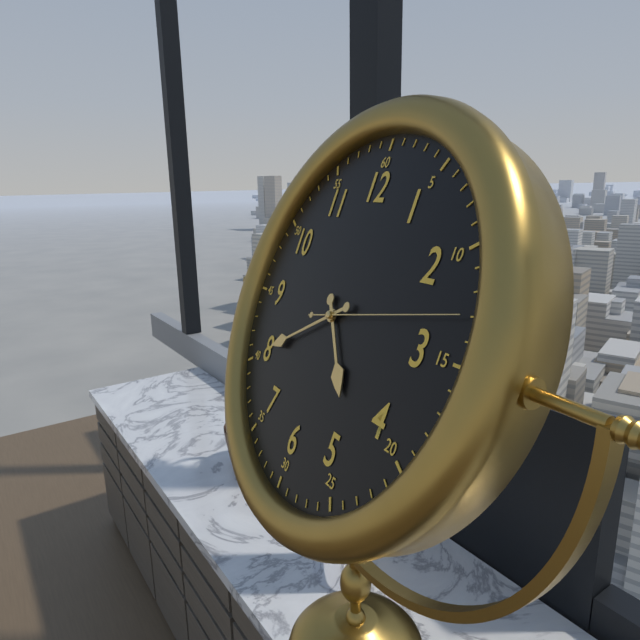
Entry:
4h40m13s
